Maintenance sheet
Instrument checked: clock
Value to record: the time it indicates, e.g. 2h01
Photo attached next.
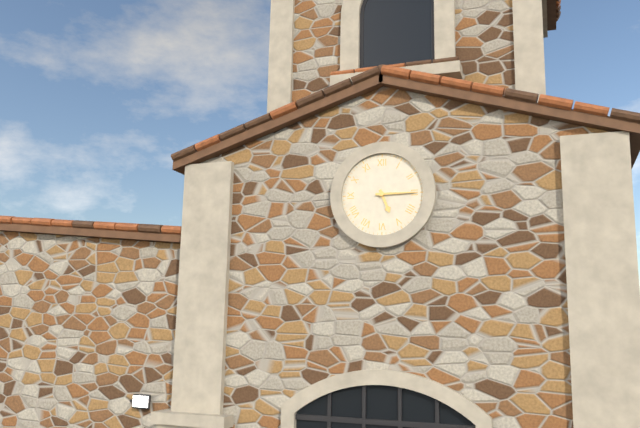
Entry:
5h15
